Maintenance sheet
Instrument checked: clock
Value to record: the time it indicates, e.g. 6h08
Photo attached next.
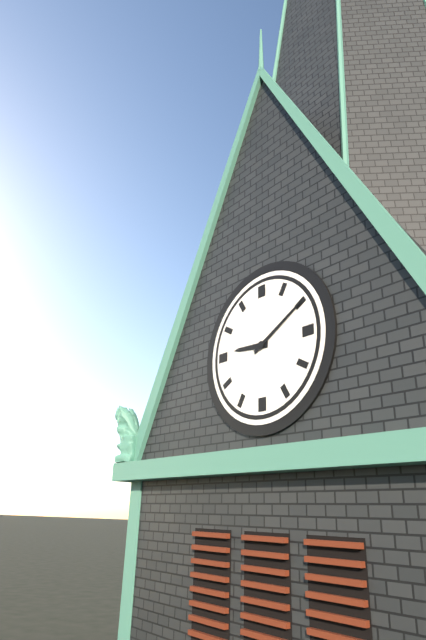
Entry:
9h10
